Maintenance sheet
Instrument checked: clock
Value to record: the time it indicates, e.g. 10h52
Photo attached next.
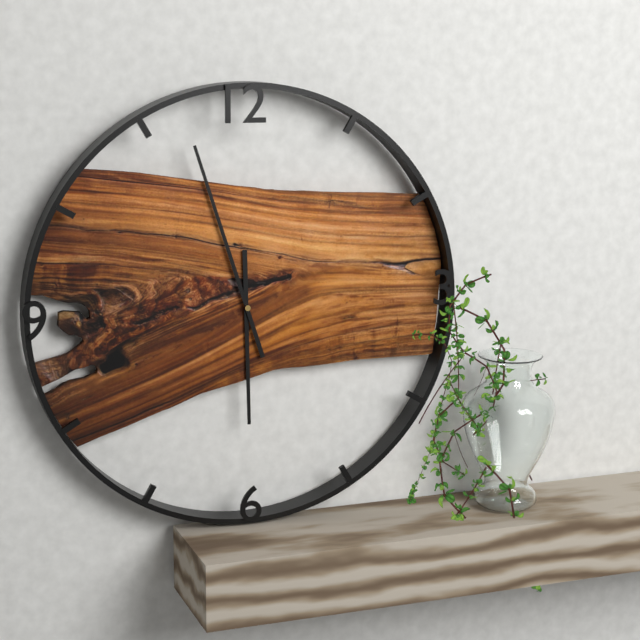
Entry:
5h57
